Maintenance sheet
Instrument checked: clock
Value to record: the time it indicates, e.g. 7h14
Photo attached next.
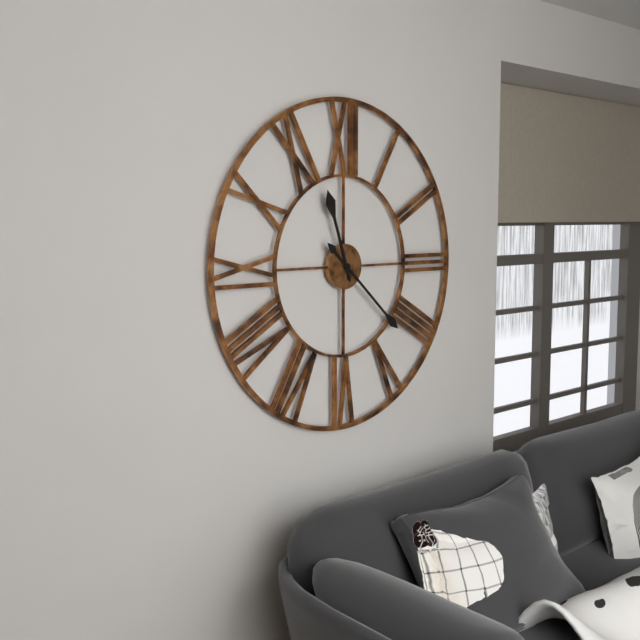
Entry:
11h22
